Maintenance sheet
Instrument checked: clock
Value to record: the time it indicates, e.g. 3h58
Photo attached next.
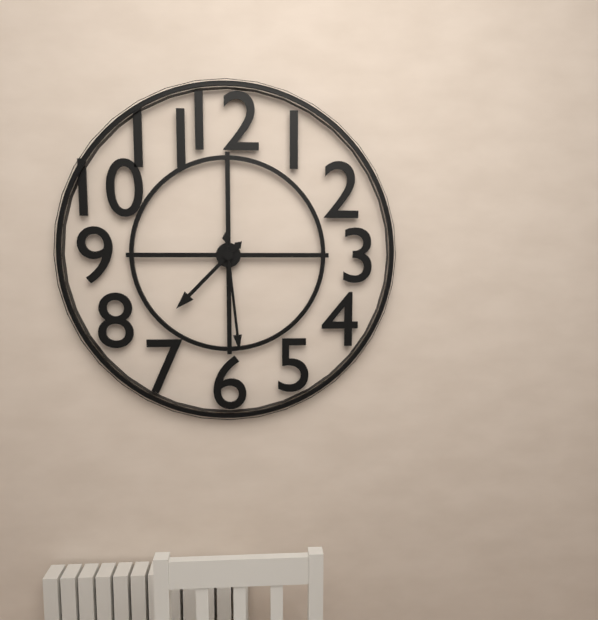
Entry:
7h29
